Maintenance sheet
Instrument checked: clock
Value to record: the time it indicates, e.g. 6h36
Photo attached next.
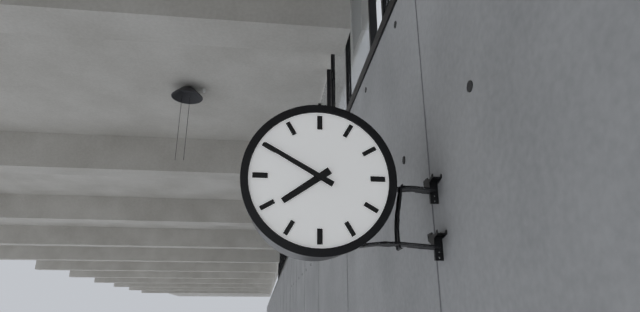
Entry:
7h50
